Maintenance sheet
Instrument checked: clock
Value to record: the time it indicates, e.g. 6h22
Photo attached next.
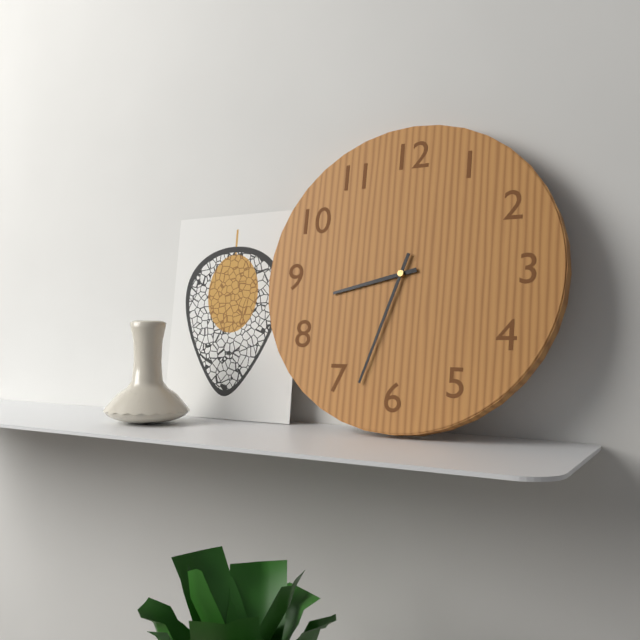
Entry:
8h33
